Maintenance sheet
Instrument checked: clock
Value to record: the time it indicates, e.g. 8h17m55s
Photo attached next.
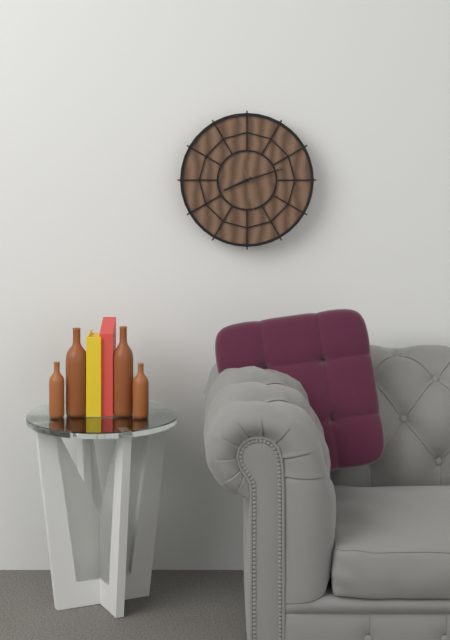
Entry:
8h12m28s
